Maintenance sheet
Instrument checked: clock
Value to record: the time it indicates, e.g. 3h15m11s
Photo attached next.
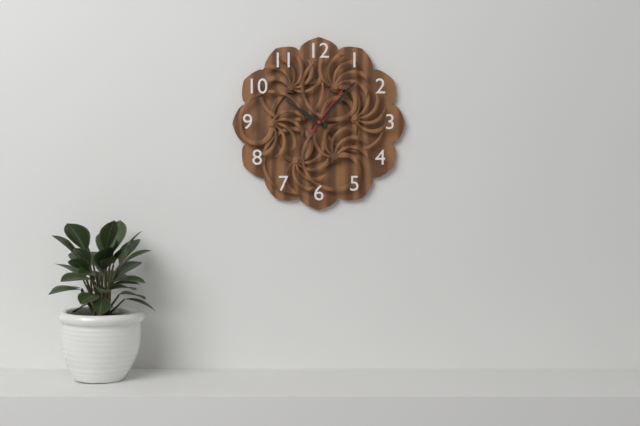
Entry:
10h07m06s
